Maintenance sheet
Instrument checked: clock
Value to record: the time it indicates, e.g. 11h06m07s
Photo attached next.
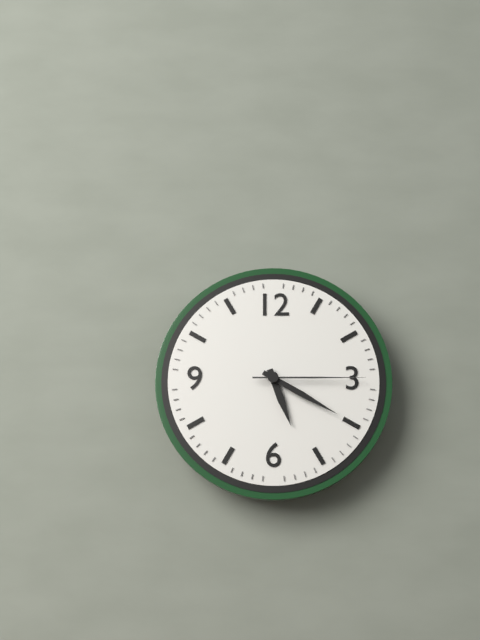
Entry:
5h20m15s
